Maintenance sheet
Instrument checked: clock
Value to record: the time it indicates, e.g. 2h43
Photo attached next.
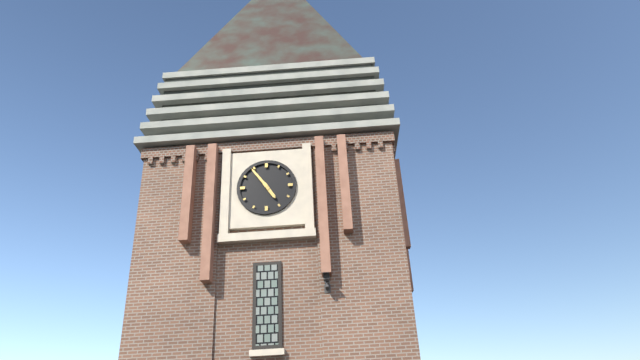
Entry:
4h54
